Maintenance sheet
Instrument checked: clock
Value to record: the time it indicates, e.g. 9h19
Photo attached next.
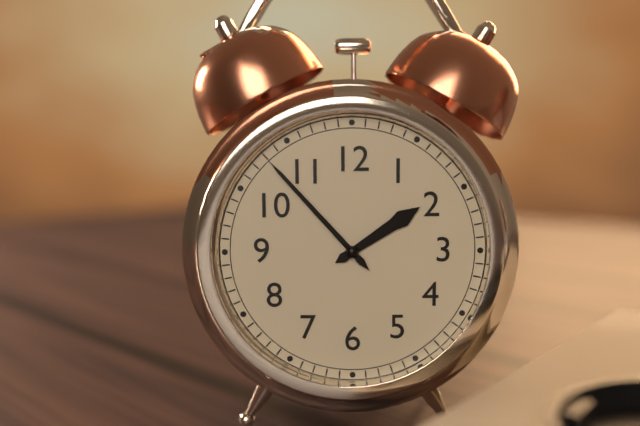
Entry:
1h53
